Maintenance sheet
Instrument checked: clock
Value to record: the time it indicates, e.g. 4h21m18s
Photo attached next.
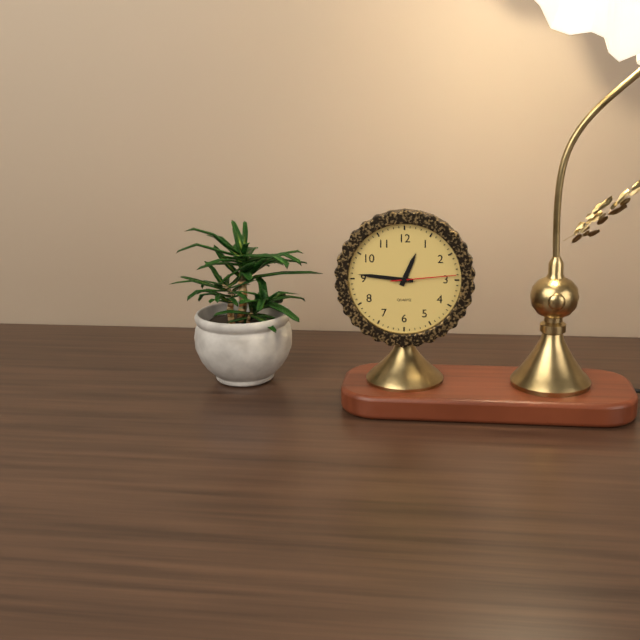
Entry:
12h46m14s
